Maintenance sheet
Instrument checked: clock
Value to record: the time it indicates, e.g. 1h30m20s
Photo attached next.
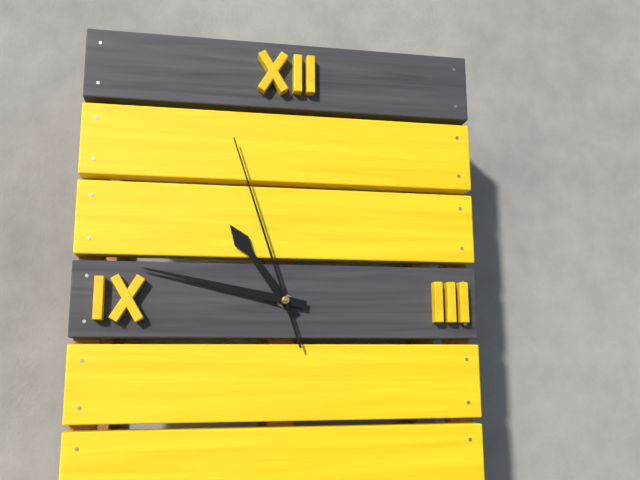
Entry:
10h47m57s
